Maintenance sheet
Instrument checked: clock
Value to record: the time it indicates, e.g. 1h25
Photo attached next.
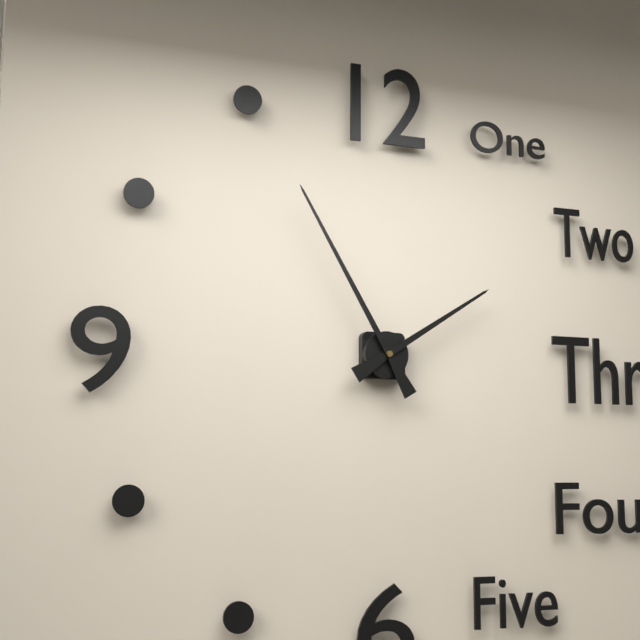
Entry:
1h55
